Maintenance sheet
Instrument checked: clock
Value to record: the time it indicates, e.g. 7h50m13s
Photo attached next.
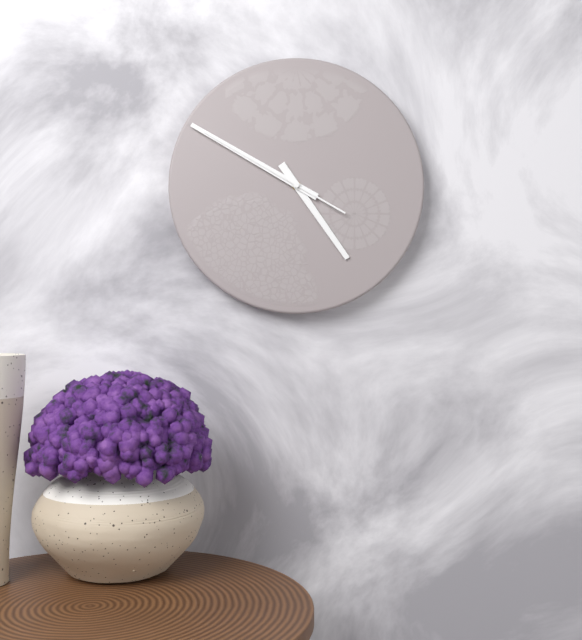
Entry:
4h50m50s
